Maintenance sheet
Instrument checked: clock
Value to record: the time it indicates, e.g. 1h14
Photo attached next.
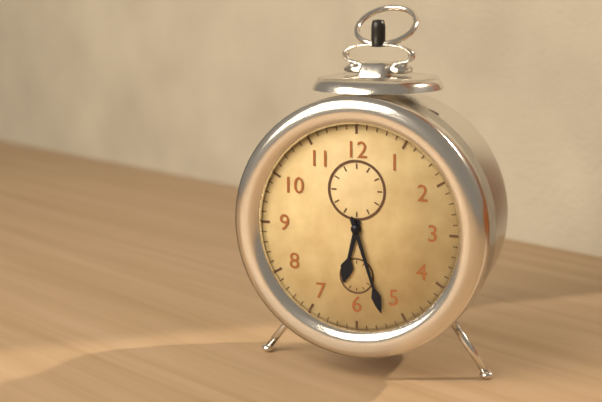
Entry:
6h27
